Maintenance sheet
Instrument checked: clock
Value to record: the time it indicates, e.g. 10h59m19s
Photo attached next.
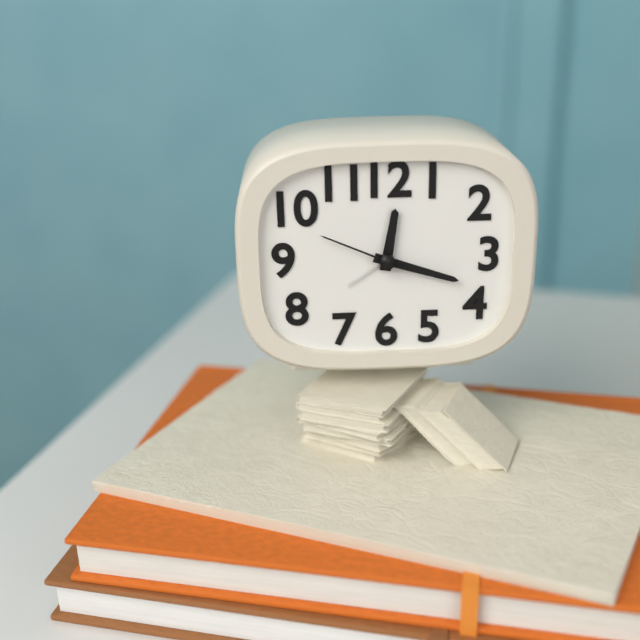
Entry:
12h18m49s
